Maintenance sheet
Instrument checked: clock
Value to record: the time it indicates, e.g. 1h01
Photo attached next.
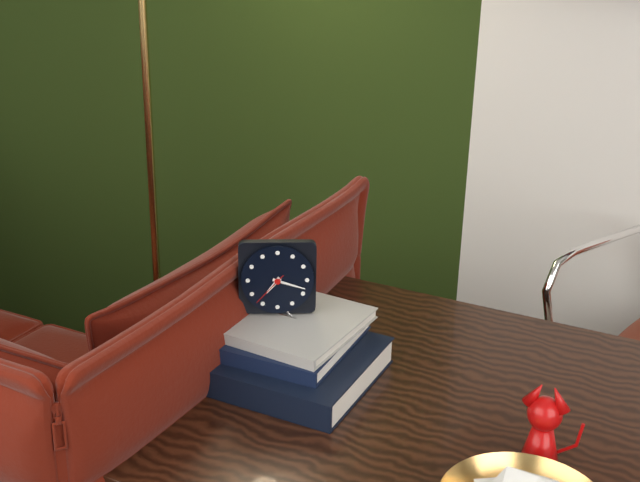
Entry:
7h18
